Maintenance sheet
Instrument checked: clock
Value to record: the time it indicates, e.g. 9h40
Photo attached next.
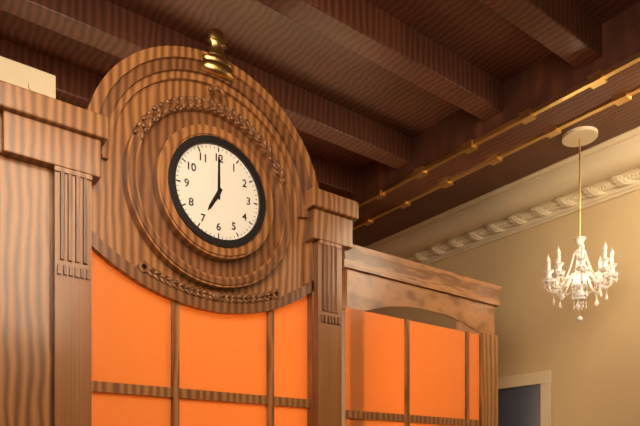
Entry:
7h00
